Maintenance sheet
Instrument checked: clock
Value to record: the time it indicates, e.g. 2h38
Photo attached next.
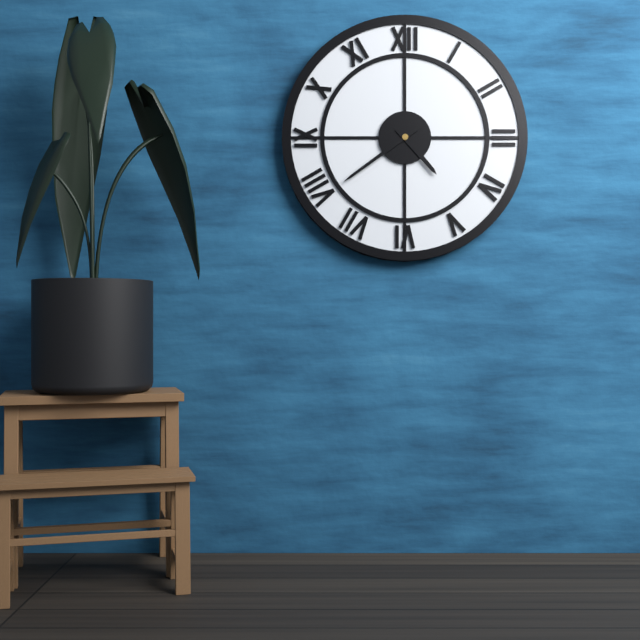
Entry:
4h39
